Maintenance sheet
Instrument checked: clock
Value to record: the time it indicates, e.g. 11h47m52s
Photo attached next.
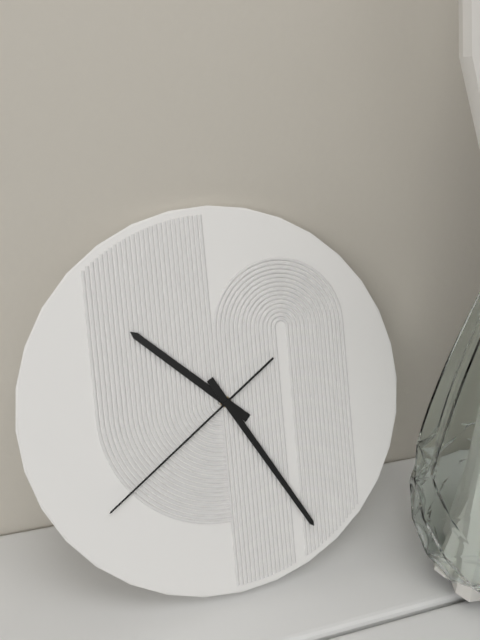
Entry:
10h25m39s
